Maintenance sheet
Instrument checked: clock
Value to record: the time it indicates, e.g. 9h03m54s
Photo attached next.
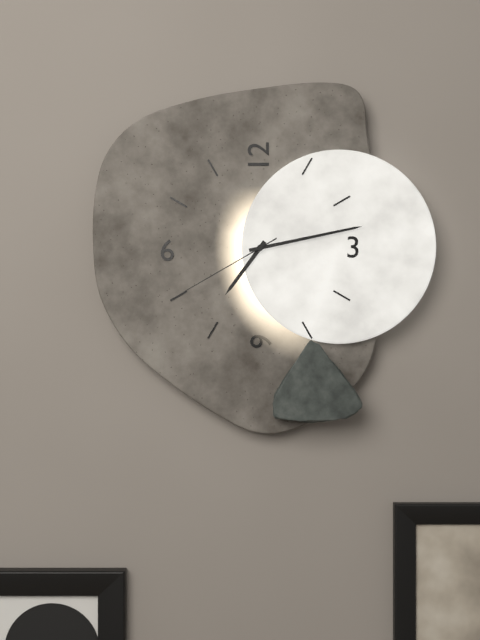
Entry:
7h13m40s
